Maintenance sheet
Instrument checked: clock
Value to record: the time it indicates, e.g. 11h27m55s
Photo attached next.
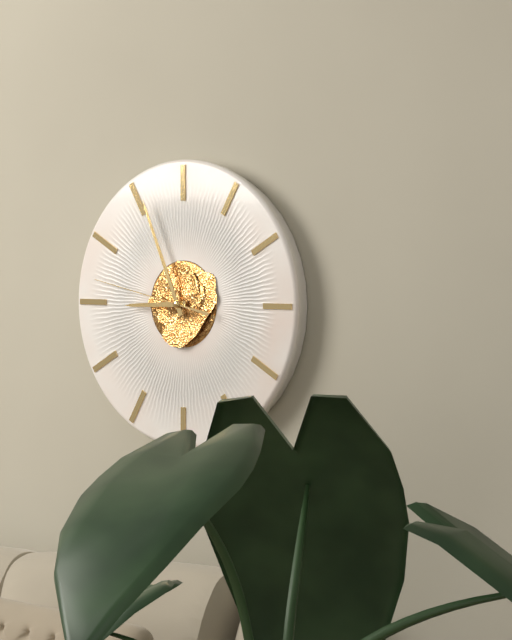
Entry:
8h56m47s
